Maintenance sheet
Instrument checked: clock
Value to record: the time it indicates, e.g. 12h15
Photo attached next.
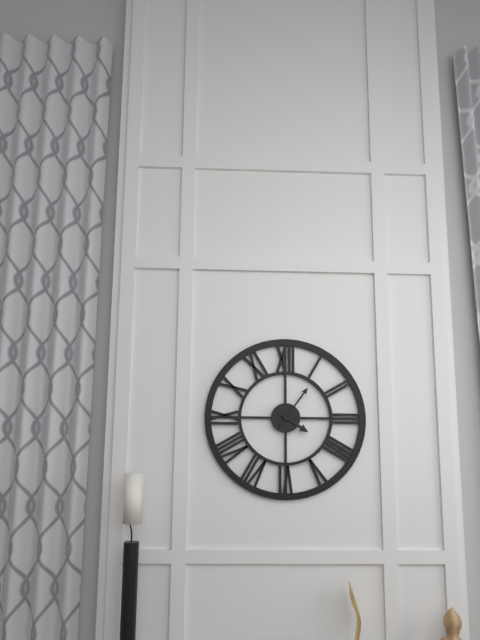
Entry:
4h06
